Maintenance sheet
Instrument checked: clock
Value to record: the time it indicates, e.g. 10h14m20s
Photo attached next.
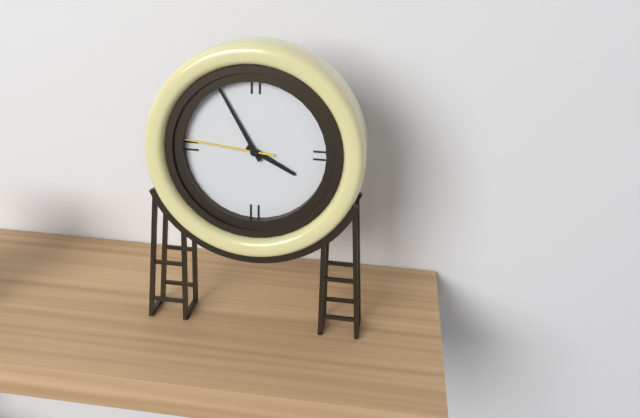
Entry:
3h55m46s
